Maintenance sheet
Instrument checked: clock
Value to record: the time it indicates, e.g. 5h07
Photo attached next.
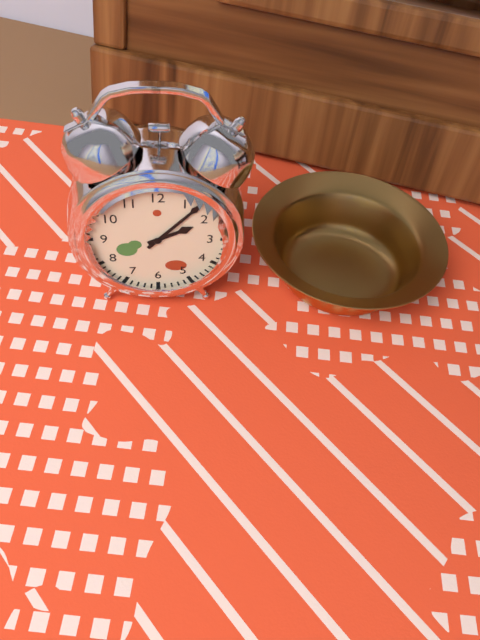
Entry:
2h07
